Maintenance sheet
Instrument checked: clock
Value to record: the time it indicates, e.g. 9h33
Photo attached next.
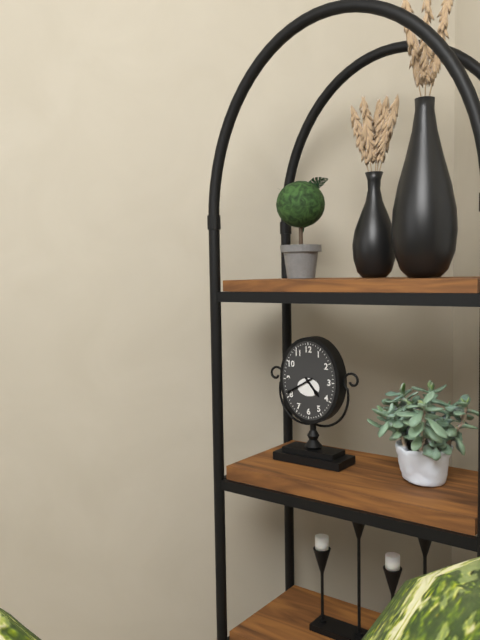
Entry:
4h40
